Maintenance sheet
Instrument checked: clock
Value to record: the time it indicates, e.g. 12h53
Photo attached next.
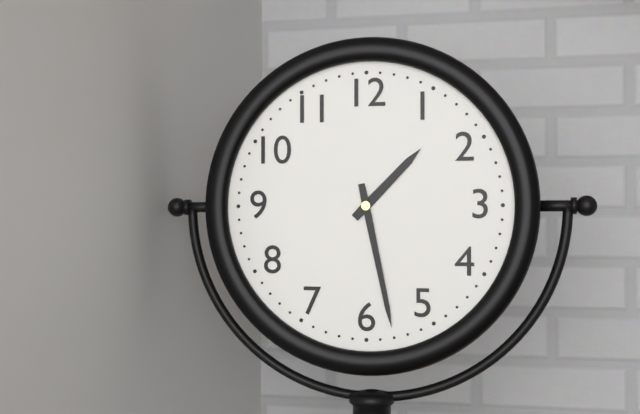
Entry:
1h28
